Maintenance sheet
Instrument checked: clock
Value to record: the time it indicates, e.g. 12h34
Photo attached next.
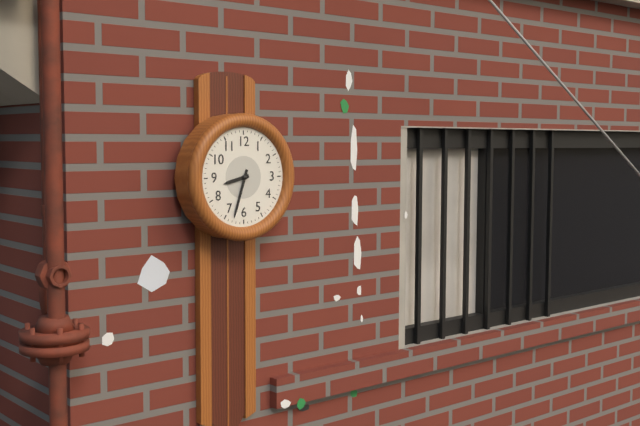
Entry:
8h33
